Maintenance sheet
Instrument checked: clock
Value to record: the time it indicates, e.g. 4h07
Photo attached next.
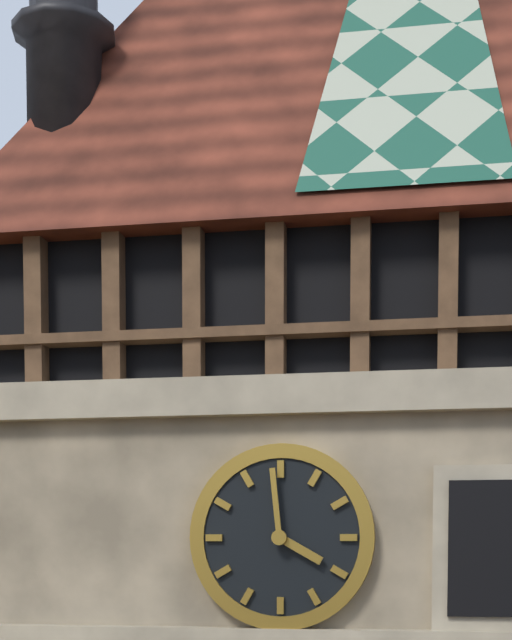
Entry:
3h59
